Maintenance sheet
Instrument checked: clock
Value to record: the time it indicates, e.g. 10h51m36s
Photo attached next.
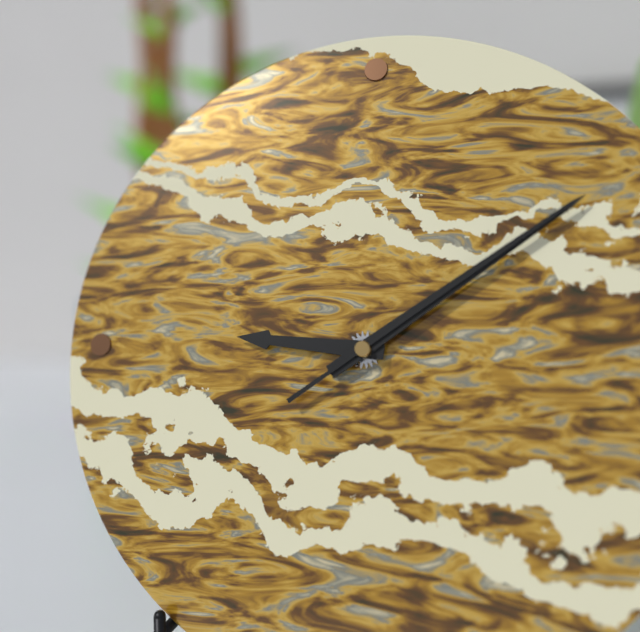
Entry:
9h09m09s
